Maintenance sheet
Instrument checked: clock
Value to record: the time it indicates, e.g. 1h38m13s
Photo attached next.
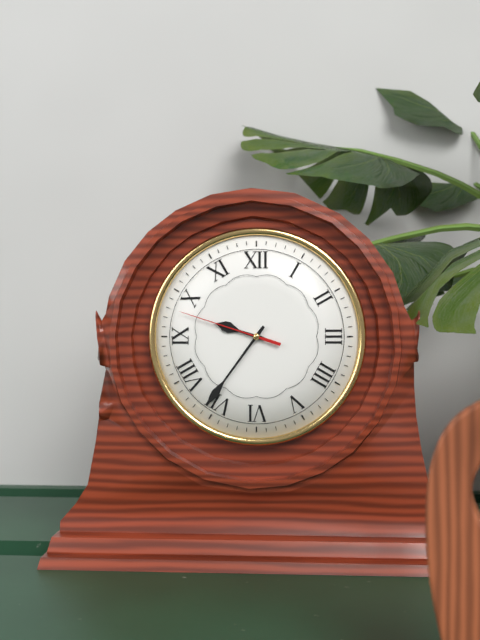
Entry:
9h36m48s
